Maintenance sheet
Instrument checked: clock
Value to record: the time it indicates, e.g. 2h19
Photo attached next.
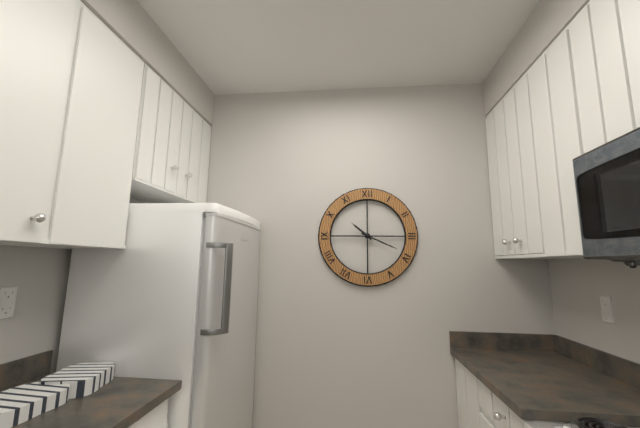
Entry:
10h19
